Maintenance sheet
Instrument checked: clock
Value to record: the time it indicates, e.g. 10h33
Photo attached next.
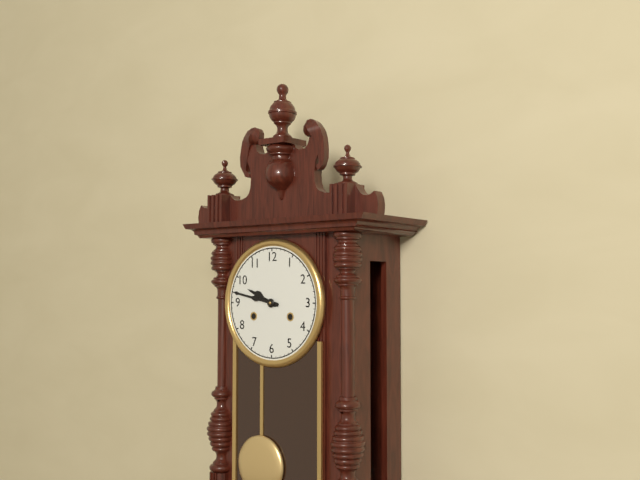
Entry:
9h47
